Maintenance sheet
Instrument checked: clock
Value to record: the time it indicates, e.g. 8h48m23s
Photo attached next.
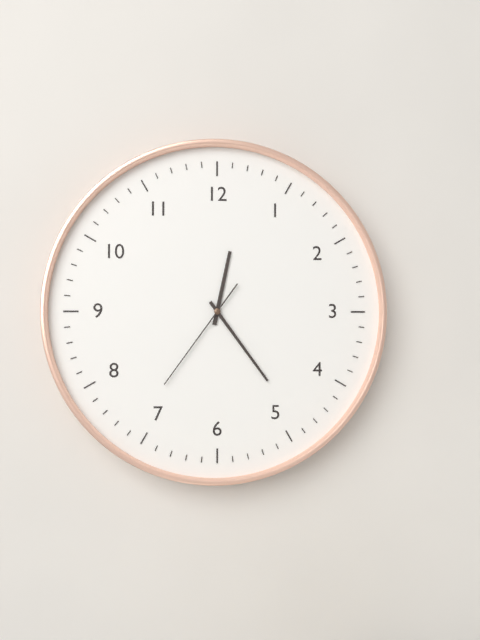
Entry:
12h24m36s
